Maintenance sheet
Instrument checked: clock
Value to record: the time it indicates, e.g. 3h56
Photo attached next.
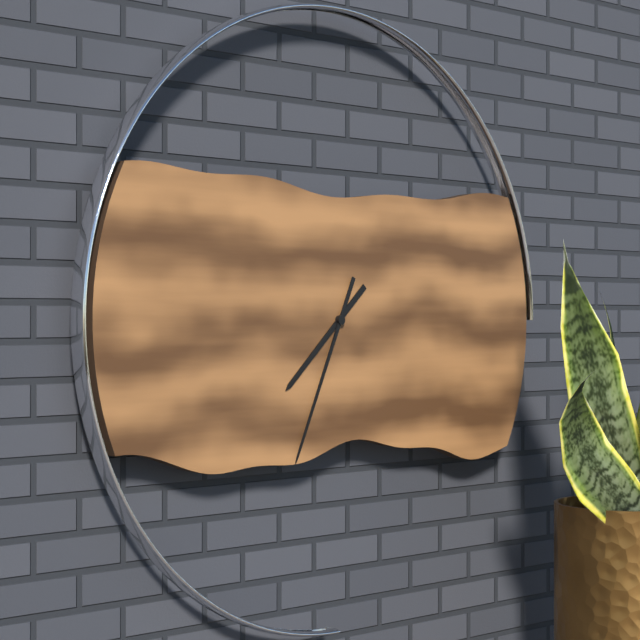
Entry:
7h34
